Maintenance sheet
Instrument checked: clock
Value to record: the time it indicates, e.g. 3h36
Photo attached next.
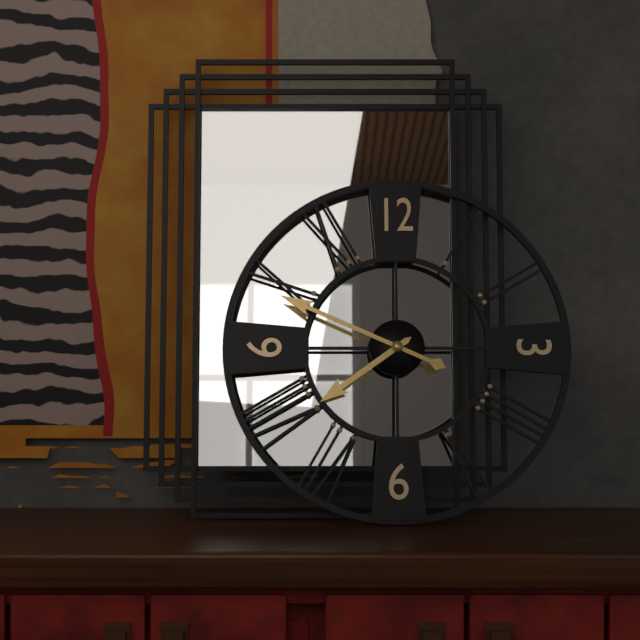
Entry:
7h49
